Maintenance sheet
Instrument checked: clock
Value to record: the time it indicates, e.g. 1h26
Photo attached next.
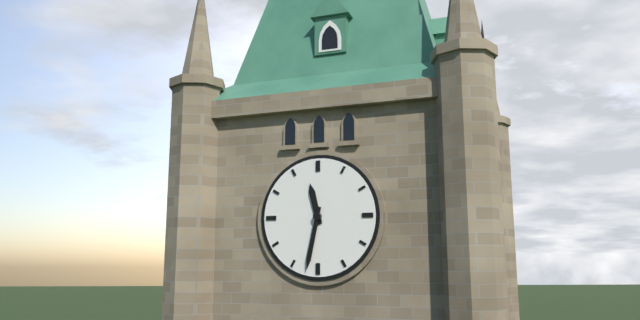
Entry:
11h32
